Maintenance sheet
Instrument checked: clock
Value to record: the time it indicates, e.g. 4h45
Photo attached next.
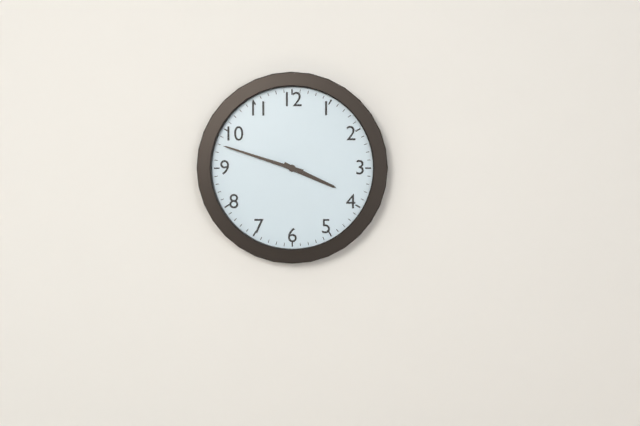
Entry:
3h48
